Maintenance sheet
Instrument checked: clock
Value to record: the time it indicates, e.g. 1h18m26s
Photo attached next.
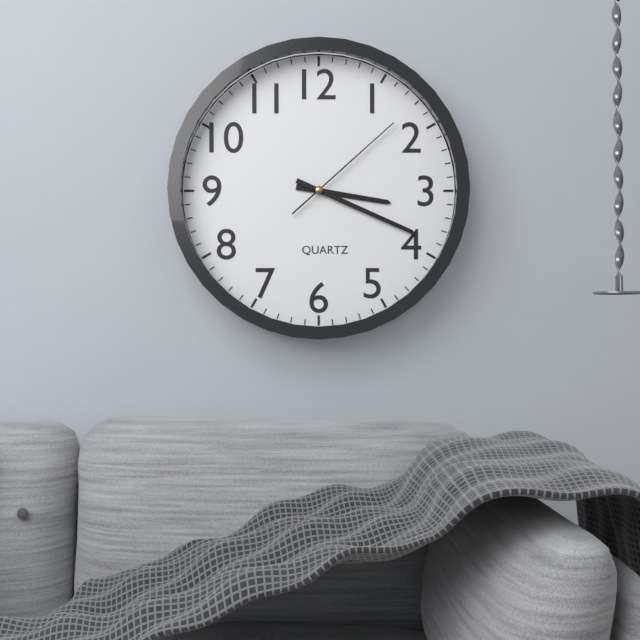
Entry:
3h19m08s
